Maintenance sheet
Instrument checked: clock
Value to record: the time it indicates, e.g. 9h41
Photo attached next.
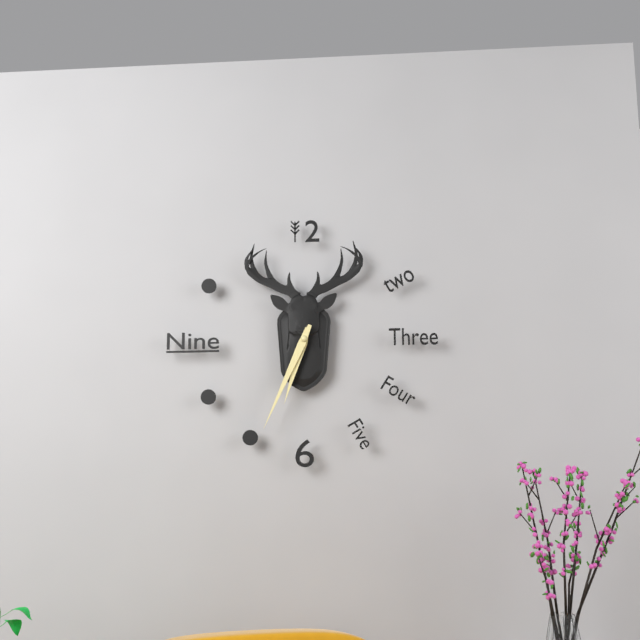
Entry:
6h34
